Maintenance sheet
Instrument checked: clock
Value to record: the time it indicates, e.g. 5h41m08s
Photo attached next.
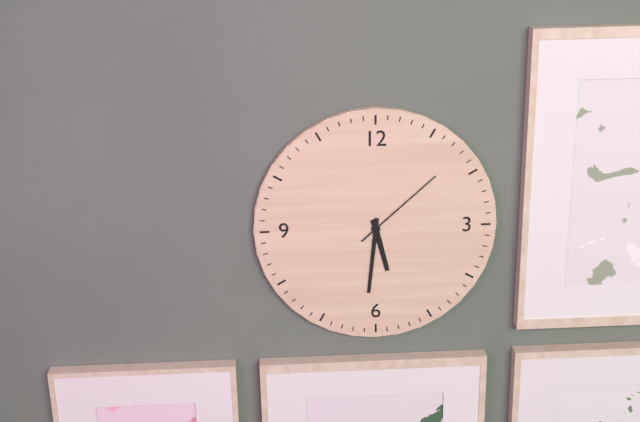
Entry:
5h31m08s
